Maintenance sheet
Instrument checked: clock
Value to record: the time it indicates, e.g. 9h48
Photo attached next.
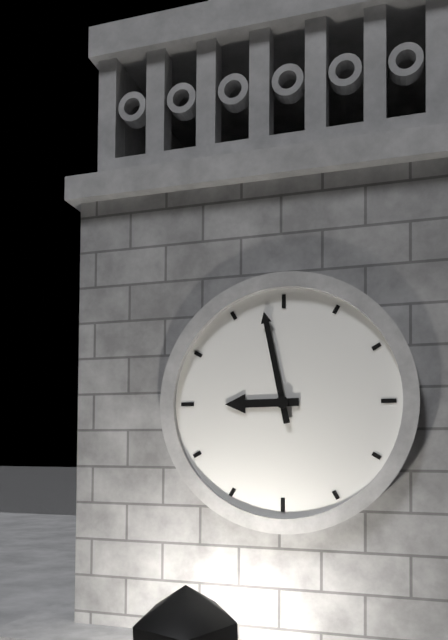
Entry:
8h58
